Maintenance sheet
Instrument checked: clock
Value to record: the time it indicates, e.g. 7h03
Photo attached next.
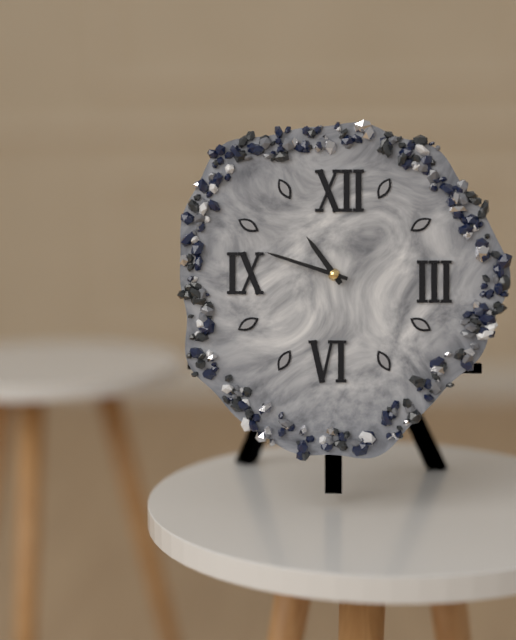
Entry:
10h48
